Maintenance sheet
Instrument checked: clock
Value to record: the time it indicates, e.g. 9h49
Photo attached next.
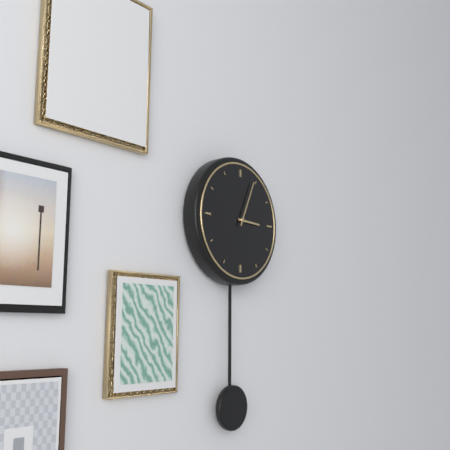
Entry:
3h04
